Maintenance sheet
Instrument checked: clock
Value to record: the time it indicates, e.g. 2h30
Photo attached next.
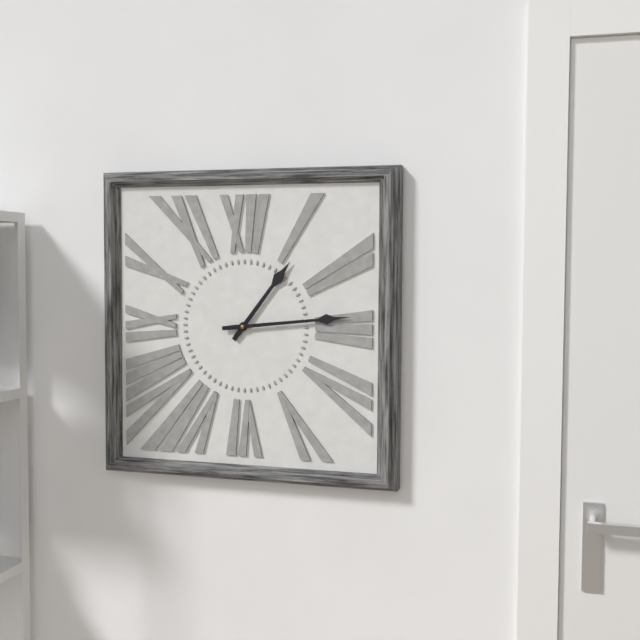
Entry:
1h14
